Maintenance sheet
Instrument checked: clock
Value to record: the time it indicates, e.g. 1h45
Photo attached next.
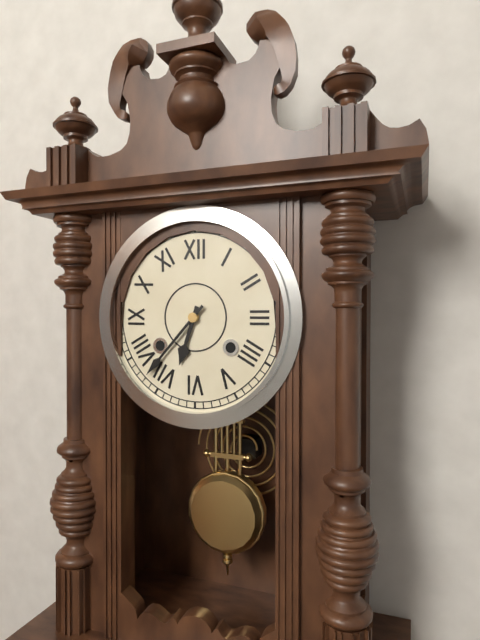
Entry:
6h37
